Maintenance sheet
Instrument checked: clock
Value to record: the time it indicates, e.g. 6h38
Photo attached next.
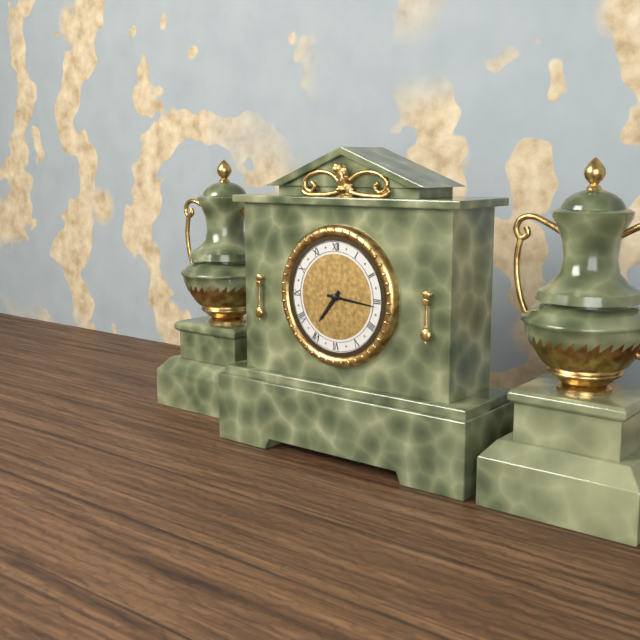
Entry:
7h16
